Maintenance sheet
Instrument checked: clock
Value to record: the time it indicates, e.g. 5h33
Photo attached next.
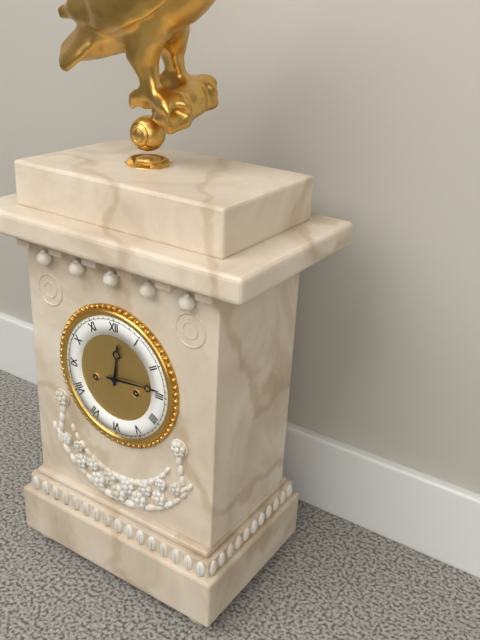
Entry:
12h14
